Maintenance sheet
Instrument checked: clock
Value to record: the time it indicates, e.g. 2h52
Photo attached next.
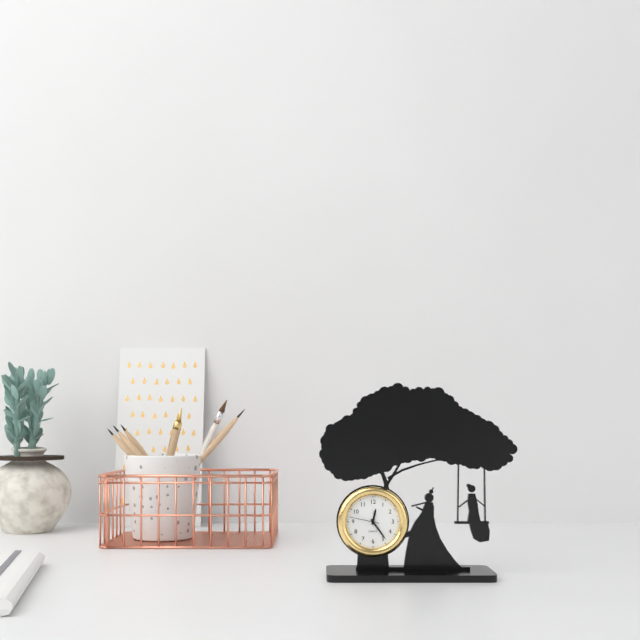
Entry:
12h24
